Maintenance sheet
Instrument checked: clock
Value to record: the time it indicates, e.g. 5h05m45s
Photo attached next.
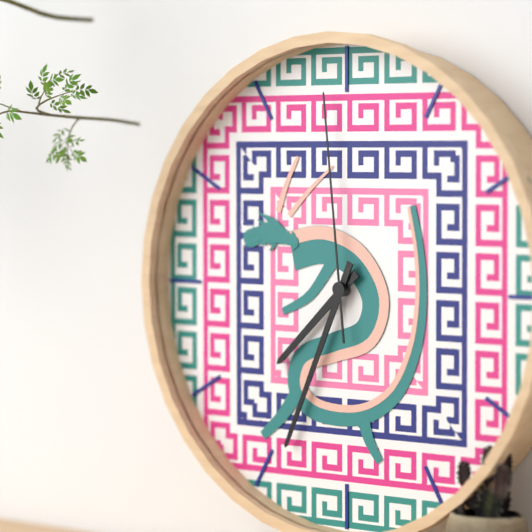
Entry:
7h34m59s
